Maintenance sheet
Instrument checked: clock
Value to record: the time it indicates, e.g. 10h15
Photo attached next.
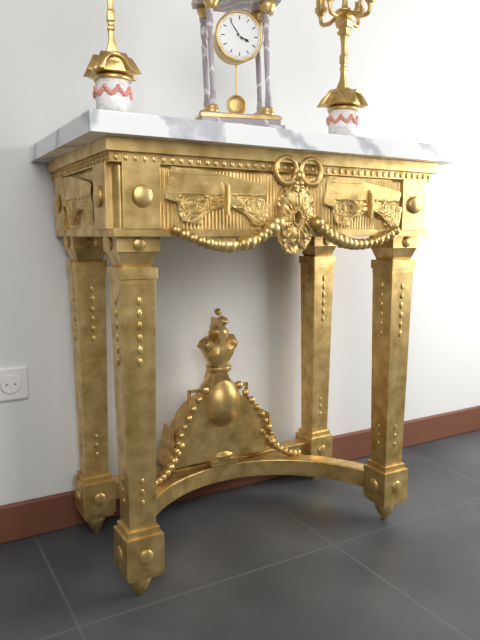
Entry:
3h54
